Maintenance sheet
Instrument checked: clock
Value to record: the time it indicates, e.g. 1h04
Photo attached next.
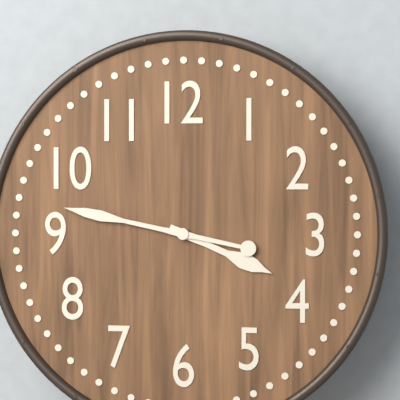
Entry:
3h47
